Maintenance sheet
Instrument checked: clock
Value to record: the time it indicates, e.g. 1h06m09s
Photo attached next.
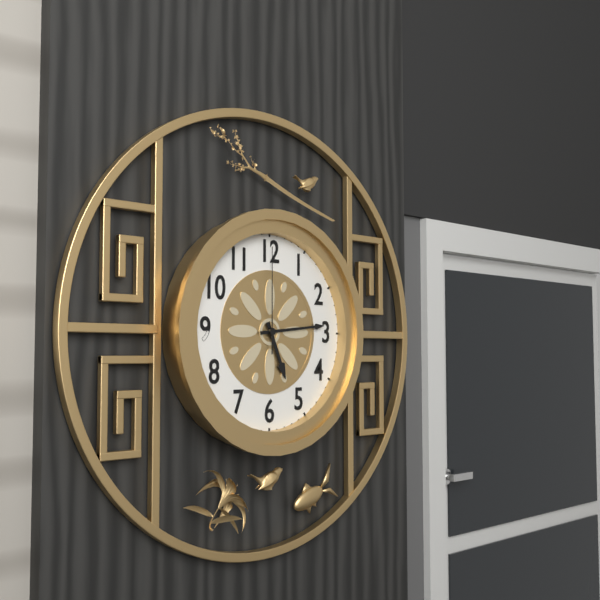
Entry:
5h14m00s
